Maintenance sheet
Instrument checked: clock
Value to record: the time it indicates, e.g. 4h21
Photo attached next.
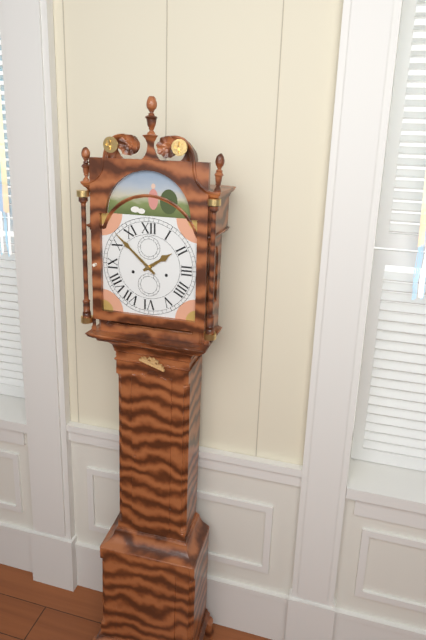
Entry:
1h52
